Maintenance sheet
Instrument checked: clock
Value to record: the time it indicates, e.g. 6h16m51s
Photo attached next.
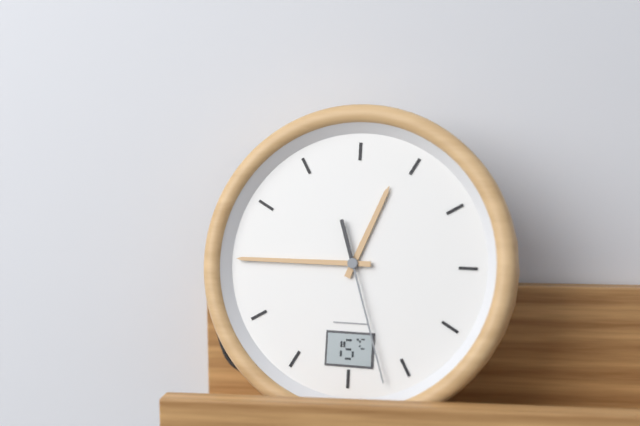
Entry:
12h45m27s
